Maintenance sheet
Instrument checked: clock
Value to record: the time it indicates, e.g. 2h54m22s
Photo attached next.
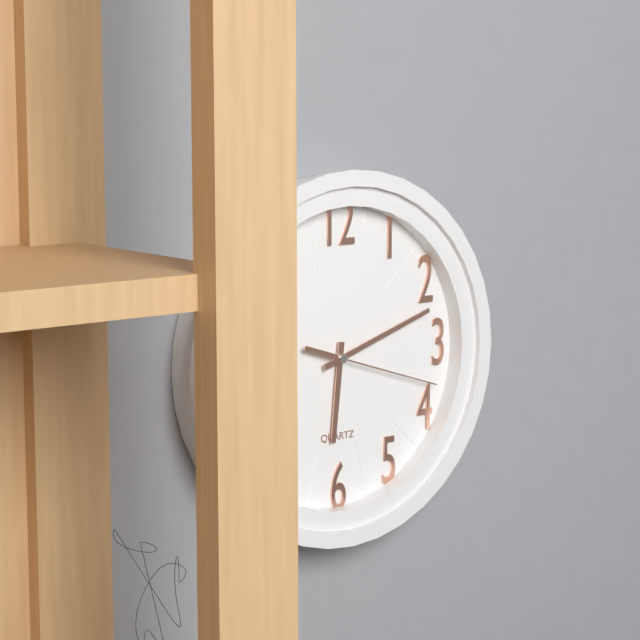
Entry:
6h12m18s
